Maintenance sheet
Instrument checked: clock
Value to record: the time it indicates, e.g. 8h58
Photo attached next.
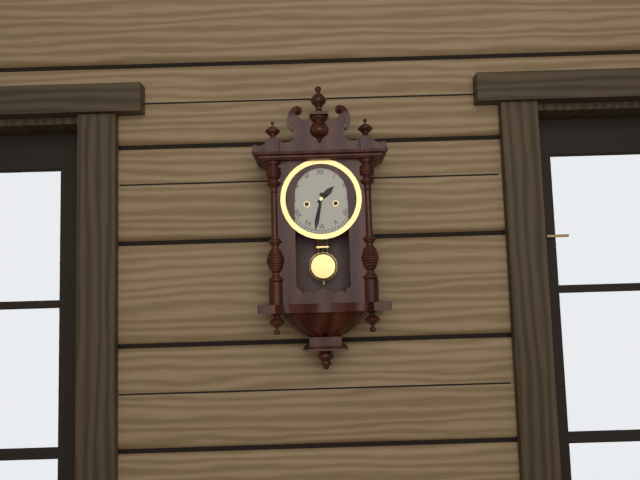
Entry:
1h32
